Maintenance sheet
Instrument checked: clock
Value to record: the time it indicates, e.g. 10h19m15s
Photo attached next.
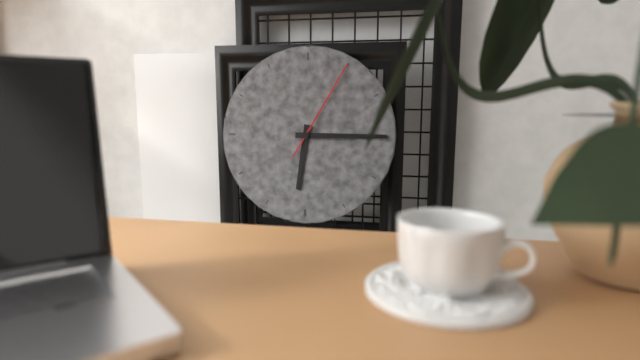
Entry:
6h15m05s
